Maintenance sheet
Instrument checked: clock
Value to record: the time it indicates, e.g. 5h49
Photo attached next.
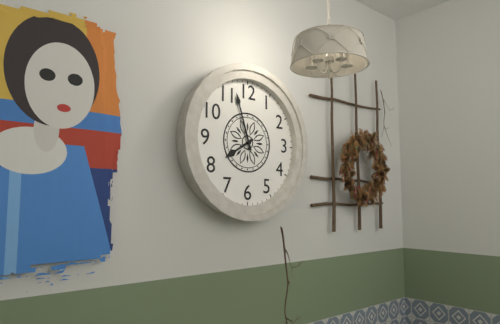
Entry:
7h57
